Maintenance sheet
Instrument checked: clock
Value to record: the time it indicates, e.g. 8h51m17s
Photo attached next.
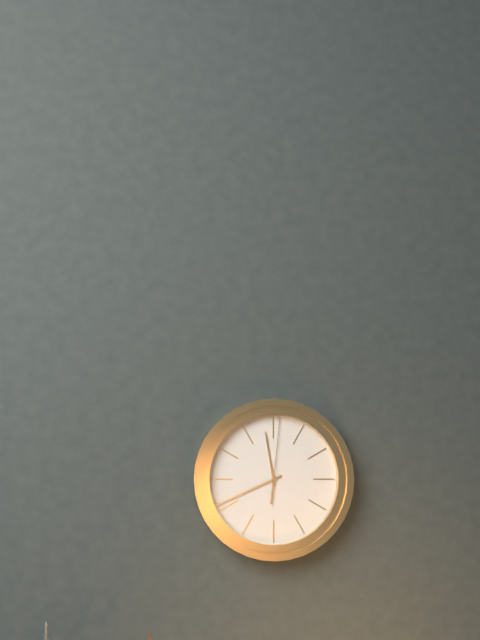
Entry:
11h41m01s
